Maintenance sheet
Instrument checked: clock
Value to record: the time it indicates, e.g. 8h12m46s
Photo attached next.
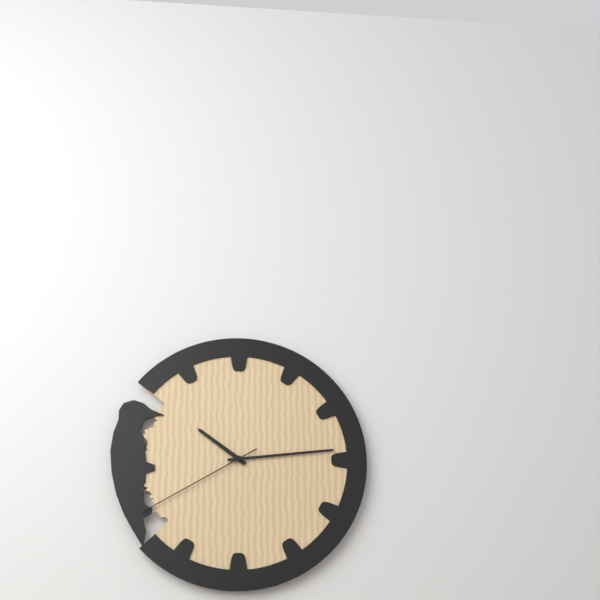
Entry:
10h14m40s
